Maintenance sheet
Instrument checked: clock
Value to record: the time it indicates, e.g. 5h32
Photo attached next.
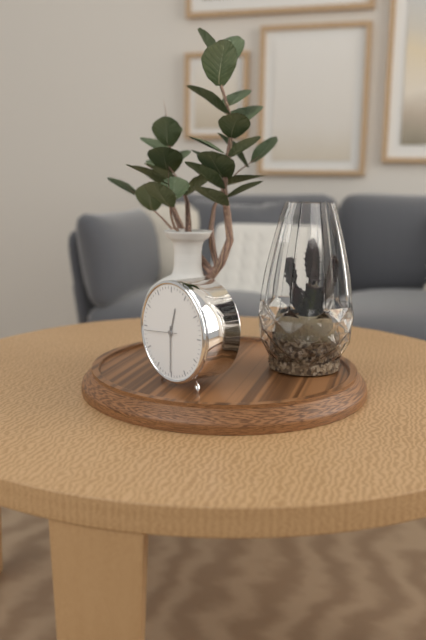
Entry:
12h30
